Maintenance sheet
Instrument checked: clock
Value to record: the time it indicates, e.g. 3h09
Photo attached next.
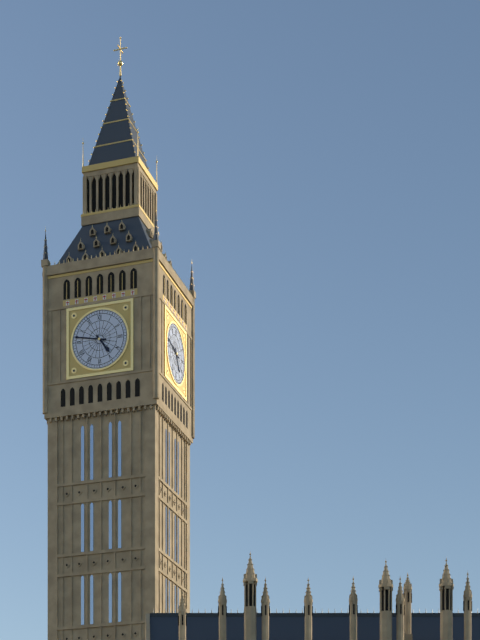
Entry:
4h47
